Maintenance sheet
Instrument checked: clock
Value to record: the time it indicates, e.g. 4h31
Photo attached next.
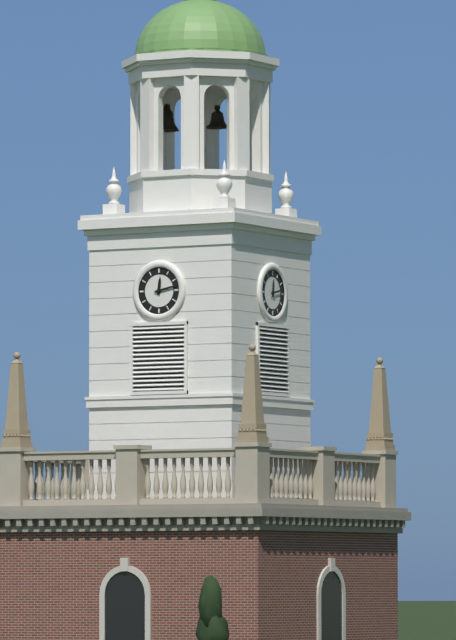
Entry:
12h13
